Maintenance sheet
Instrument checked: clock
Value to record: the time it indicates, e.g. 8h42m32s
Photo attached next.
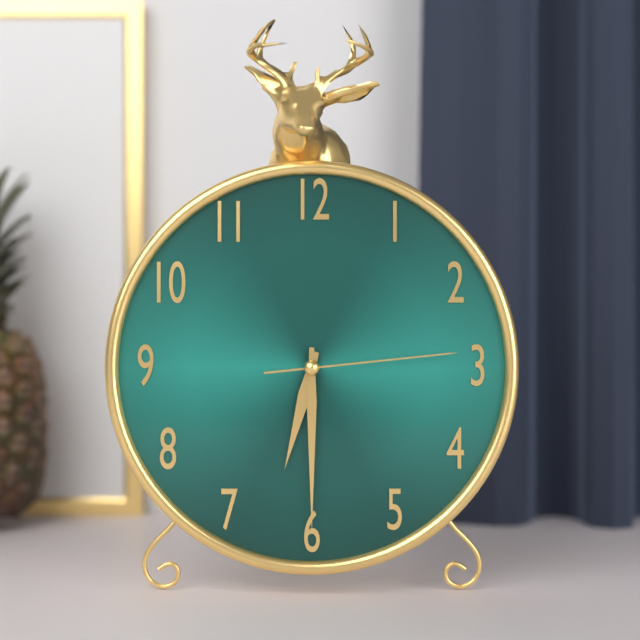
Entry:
6h30m14s
